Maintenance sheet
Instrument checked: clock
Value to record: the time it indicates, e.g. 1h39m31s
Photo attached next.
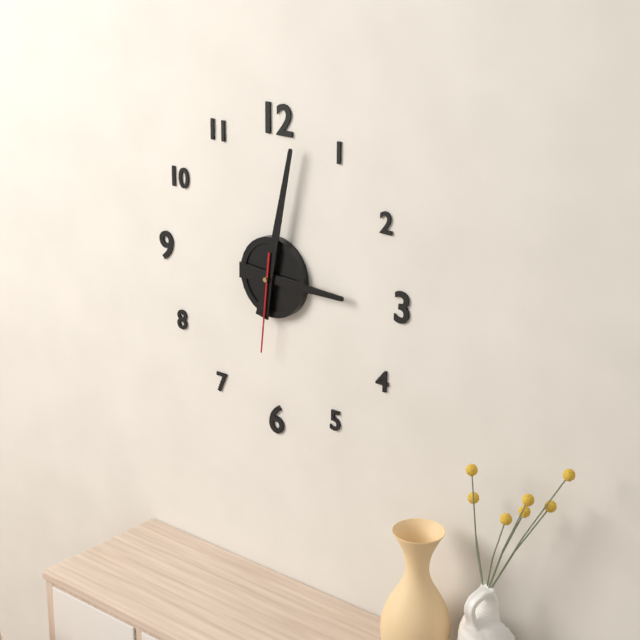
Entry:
3h02m31s
